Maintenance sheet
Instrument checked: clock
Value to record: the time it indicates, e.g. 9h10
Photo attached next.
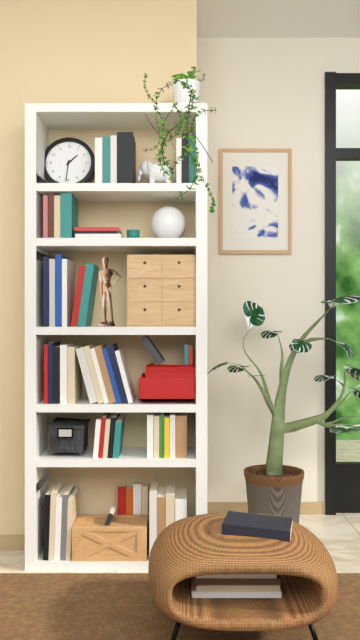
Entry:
1h31
